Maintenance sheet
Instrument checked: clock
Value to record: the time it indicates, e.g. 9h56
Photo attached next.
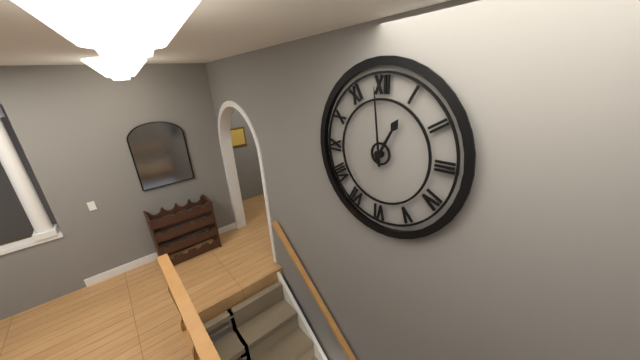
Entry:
12h59
